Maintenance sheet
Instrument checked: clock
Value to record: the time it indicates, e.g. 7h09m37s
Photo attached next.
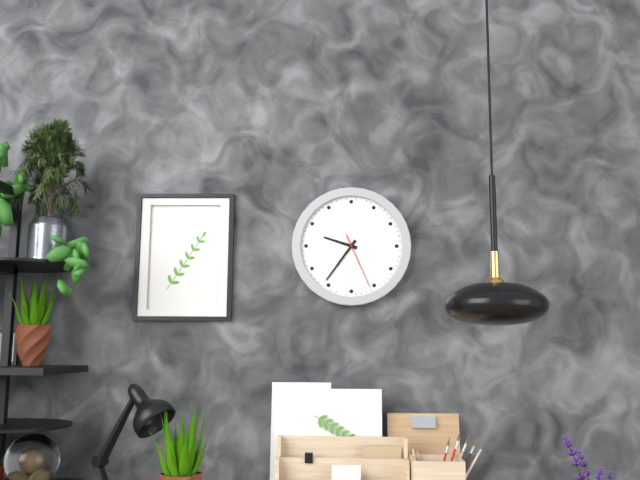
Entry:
9h36m26s
